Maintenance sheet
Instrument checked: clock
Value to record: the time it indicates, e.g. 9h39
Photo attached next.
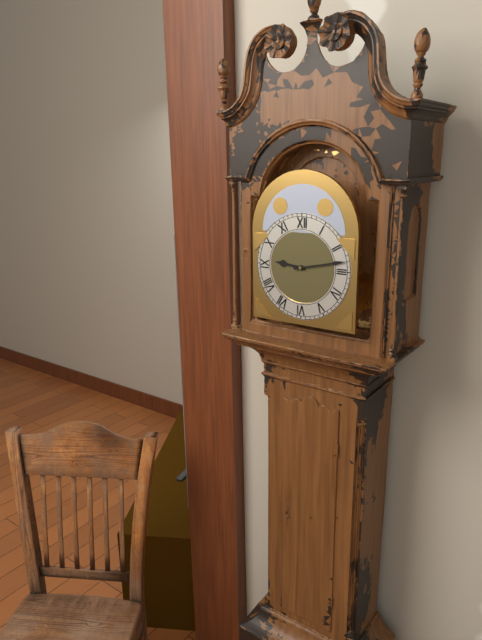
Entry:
9h13
